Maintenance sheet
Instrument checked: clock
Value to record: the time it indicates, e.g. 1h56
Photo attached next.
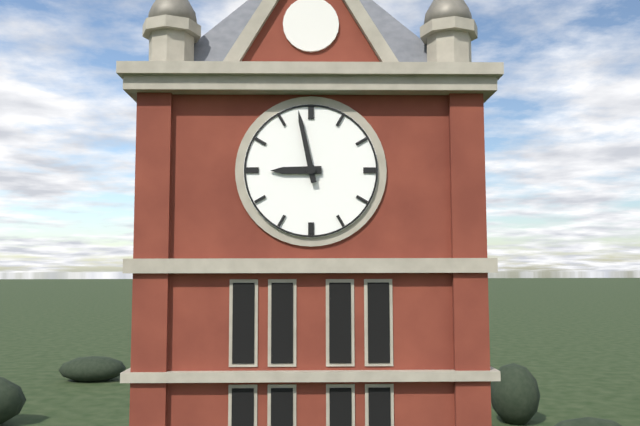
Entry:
8h58
